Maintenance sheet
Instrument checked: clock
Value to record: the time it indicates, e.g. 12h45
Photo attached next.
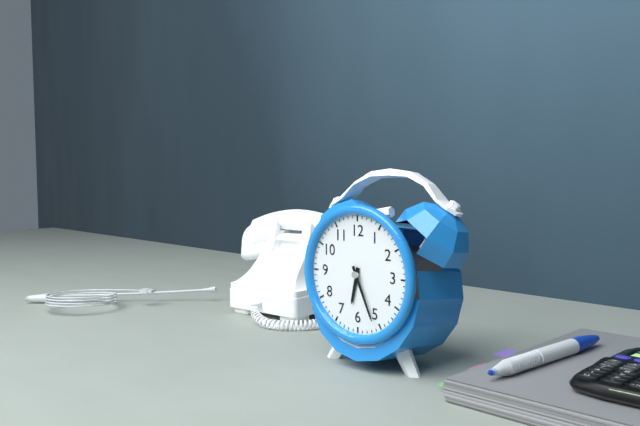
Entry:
6h26
